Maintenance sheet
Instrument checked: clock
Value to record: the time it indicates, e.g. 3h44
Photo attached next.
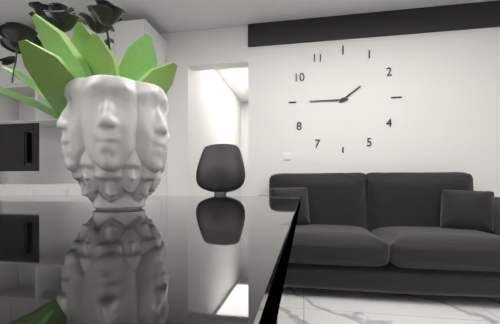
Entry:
1h45
